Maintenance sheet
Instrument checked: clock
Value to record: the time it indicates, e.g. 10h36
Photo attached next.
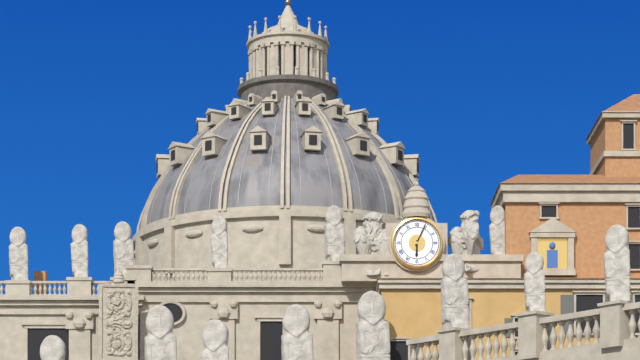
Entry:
6h04
